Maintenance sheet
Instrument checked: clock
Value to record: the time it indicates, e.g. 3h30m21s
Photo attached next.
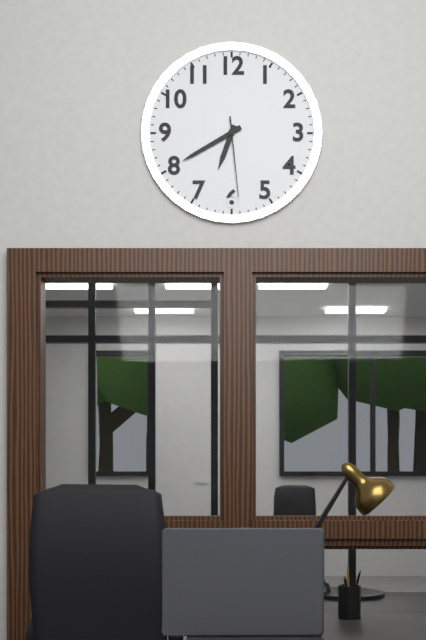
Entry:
6h40m29s
